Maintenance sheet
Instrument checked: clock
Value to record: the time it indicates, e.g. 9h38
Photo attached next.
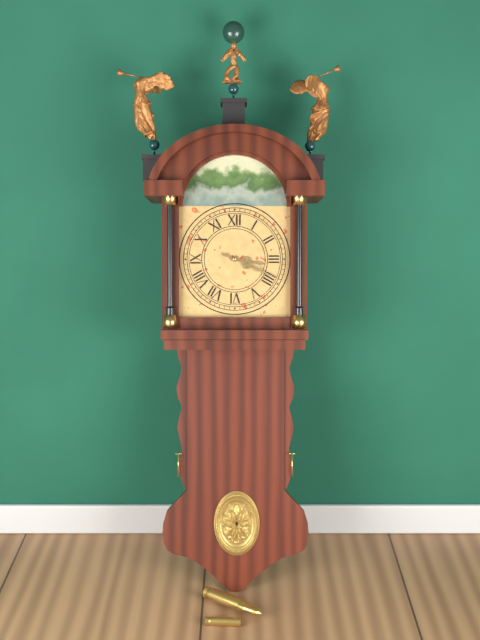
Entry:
3h19
